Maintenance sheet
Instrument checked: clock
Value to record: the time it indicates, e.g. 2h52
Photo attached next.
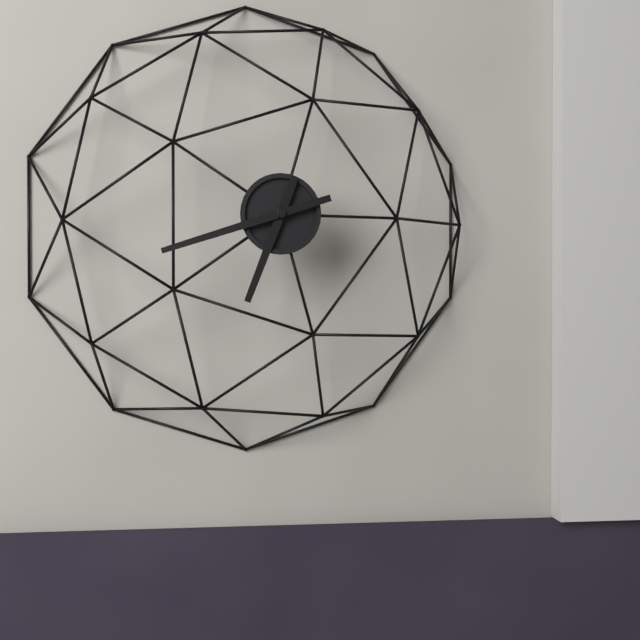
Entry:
6h42
